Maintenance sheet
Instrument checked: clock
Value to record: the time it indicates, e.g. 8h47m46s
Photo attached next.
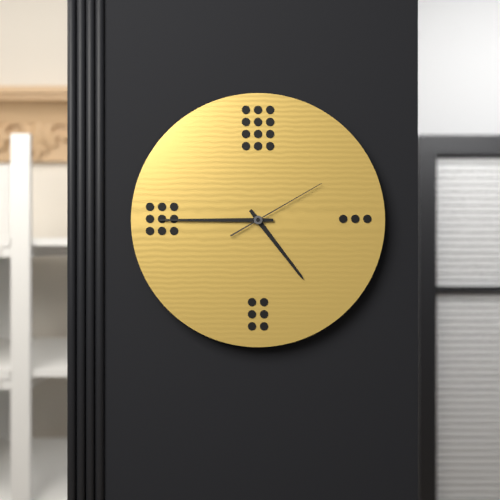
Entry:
4h45m10s
